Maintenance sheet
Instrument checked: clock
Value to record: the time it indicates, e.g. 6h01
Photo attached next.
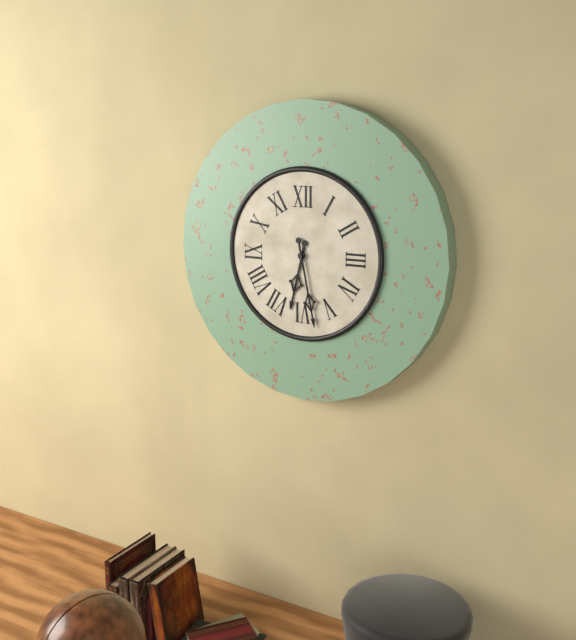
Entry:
6h28
